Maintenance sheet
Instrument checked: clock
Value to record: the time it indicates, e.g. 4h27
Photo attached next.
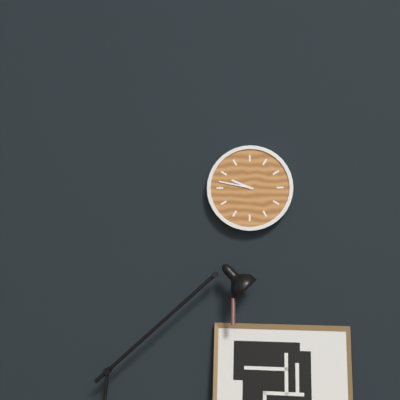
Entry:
9h47
